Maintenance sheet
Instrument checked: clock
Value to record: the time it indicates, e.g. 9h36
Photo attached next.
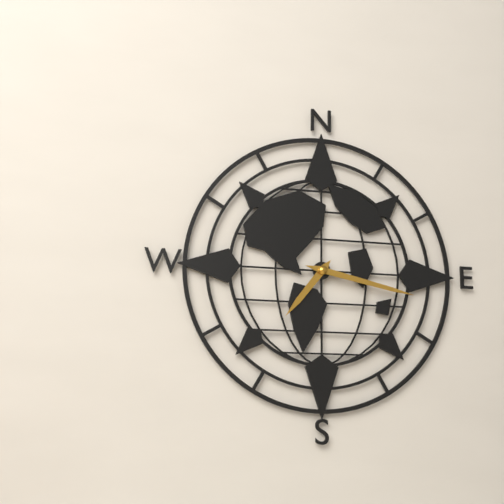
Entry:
7h17
